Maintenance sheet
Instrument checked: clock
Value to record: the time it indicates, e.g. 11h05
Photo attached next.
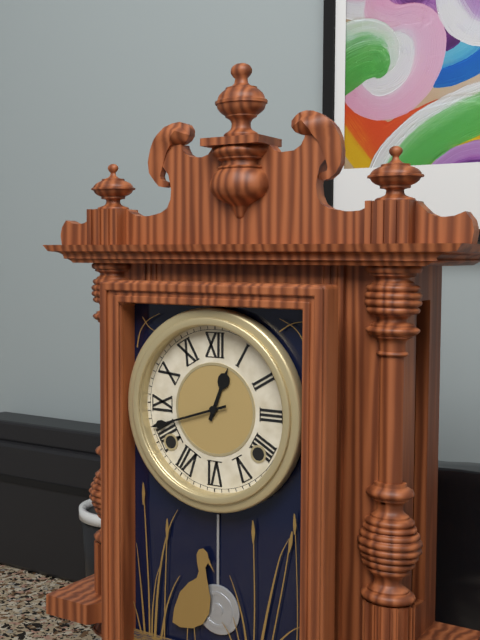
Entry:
12h42
